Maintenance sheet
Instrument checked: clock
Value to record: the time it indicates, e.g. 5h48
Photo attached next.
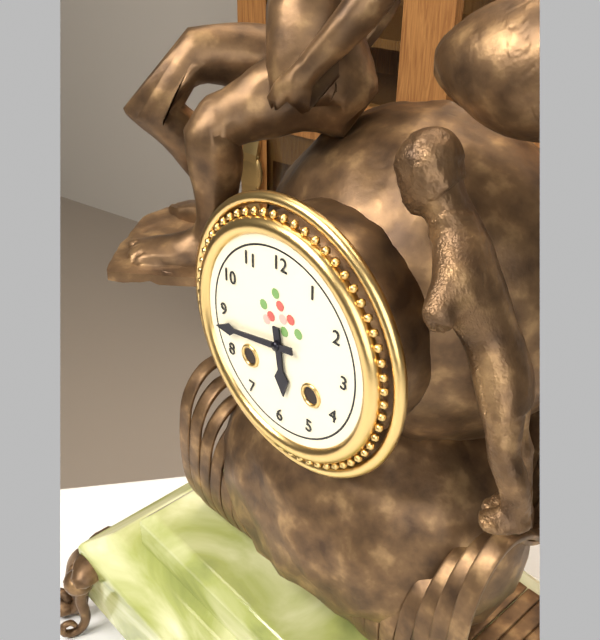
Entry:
5h43
